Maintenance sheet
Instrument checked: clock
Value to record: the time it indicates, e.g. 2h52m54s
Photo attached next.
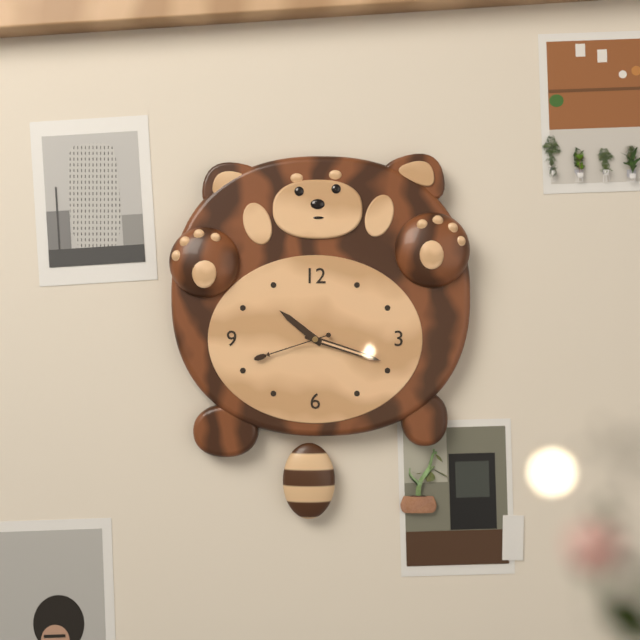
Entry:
10h18m42s
